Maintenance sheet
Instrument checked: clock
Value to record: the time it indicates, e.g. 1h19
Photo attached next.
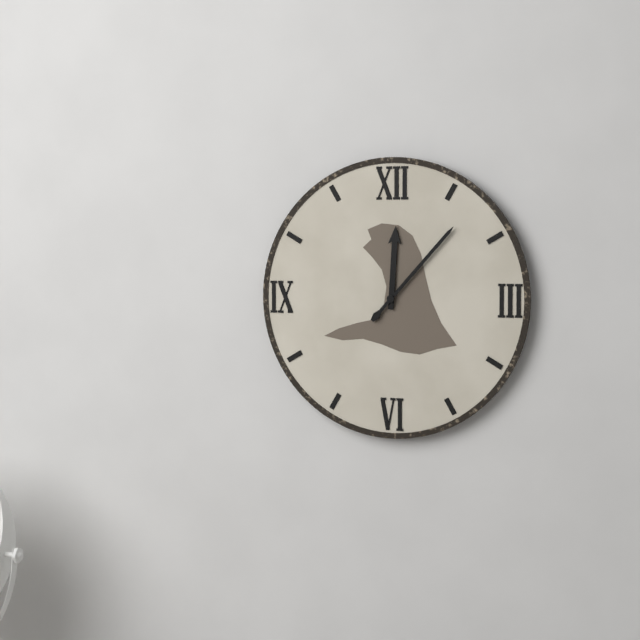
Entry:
12h07
